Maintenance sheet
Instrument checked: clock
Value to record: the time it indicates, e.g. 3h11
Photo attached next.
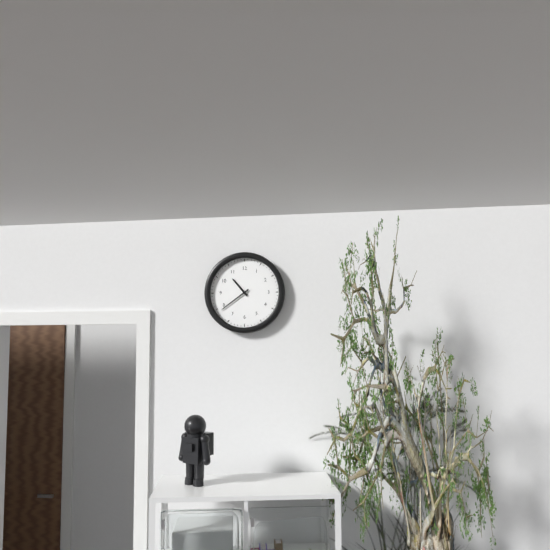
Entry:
10h39
